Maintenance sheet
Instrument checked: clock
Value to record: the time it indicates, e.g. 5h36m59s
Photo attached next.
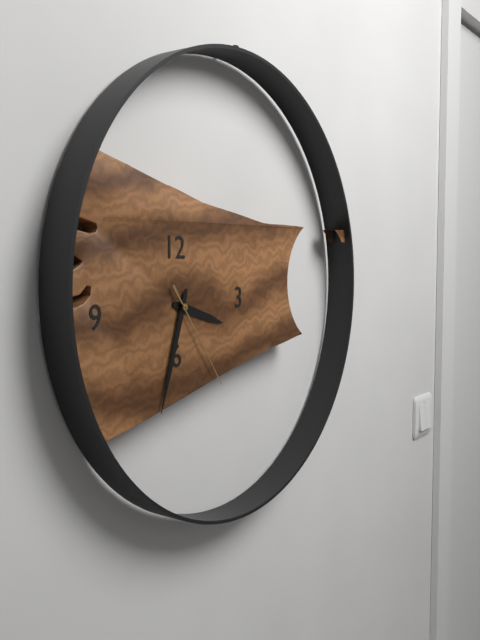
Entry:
3h33m24s
